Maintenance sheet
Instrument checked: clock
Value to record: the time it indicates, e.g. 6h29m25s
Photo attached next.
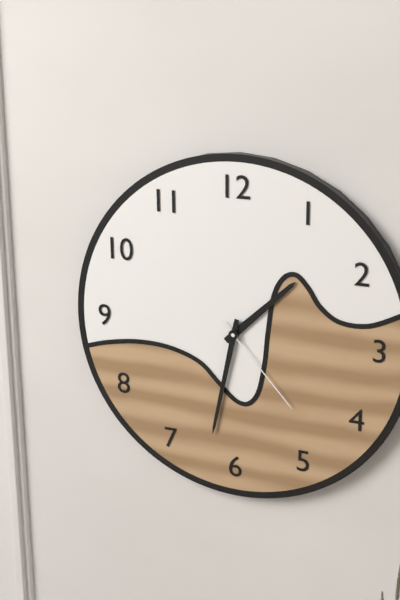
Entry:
1h32m23s
